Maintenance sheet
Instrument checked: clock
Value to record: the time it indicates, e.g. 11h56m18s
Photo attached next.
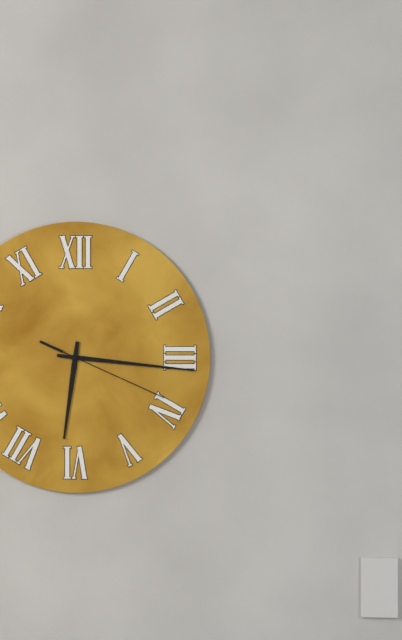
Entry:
6h16m19s
